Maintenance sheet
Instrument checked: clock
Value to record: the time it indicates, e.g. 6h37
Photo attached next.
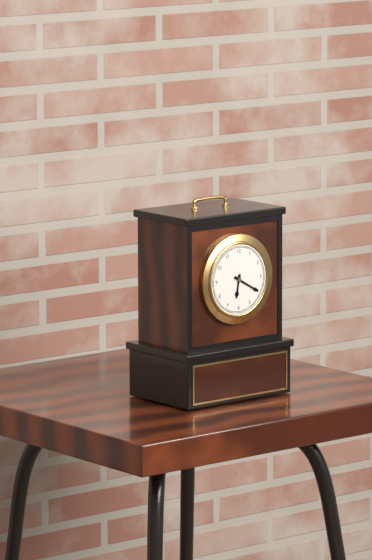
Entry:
6h20
